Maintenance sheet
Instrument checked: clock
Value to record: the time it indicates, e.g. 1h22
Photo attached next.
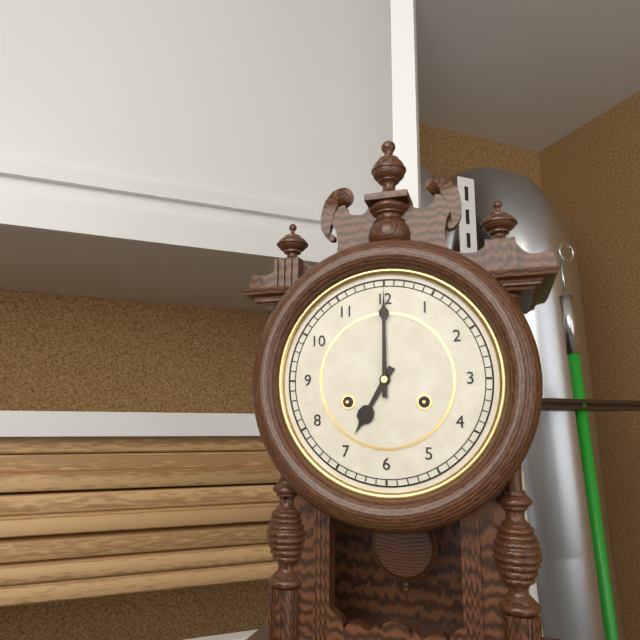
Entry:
7h00
